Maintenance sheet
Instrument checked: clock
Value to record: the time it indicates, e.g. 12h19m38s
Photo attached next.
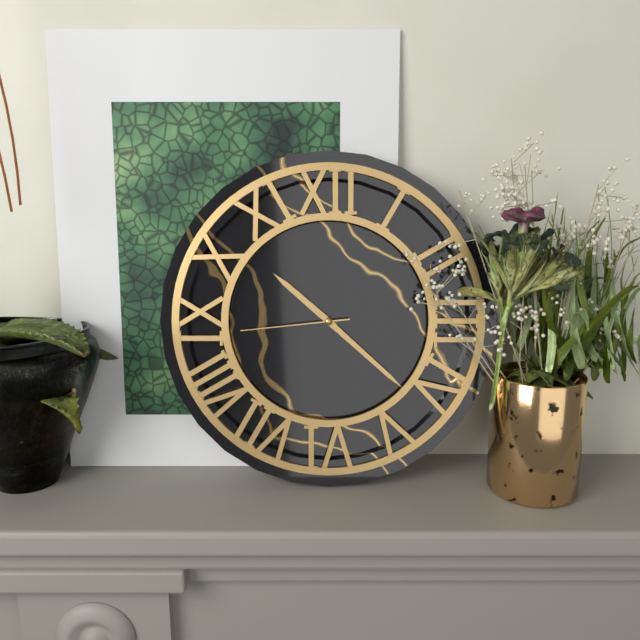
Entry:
10h22m44s
